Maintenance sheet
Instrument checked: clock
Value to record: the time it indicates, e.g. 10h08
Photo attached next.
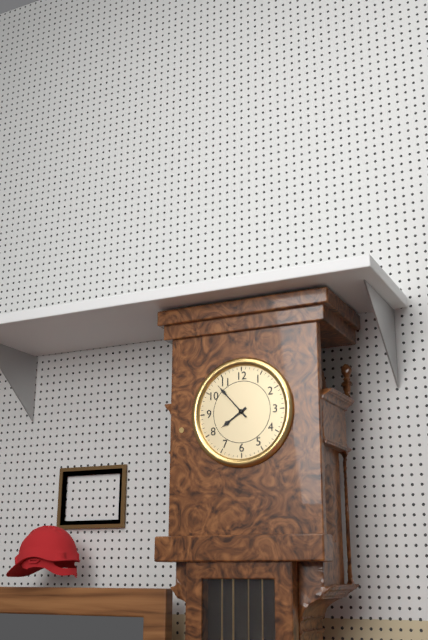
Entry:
7h53
